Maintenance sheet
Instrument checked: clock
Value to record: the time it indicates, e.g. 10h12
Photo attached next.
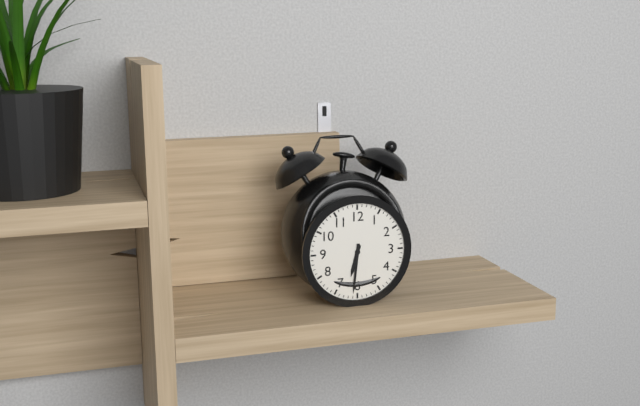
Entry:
6h31
